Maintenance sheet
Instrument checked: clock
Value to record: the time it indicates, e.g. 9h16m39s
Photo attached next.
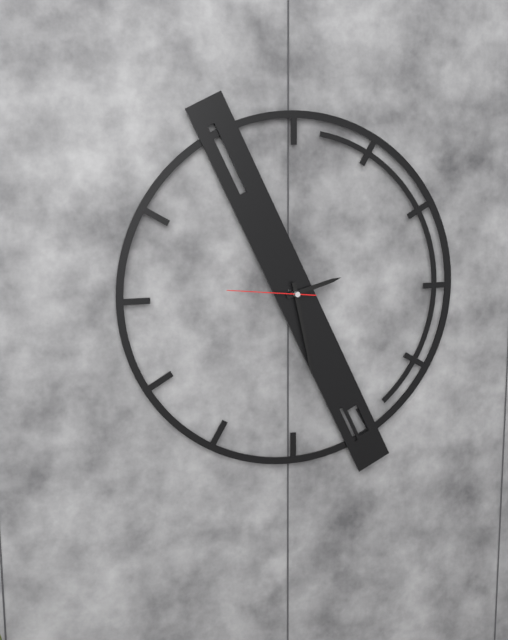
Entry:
2h28m46s
